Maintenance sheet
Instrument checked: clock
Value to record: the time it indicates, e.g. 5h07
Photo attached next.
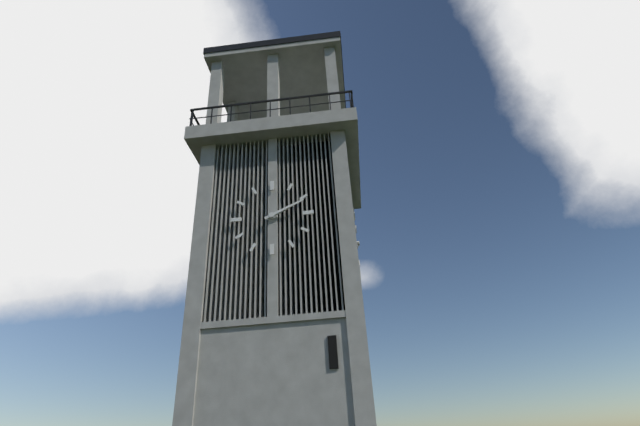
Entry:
2h11
